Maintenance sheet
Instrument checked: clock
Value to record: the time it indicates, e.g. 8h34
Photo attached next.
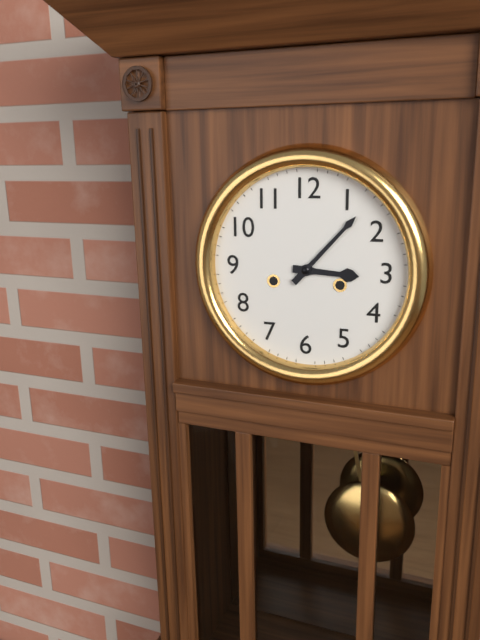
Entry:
3h07
